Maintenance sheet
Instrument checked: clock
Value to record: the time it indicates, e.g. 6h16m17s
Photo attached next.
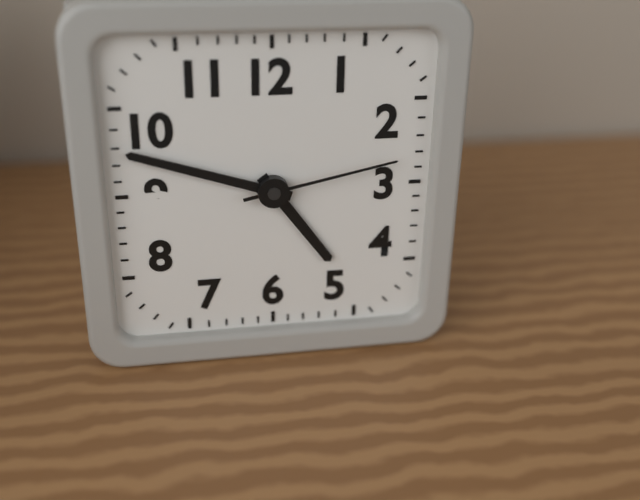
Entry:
4h48m13s
